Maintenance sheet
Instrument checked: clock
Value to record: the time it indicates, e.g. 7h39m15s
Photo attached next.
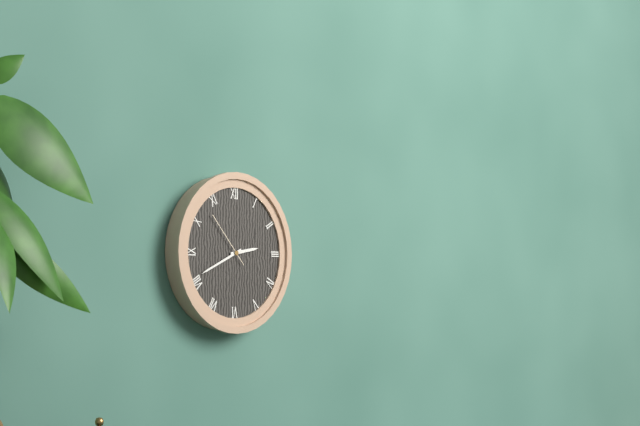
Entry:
2h41m53s
